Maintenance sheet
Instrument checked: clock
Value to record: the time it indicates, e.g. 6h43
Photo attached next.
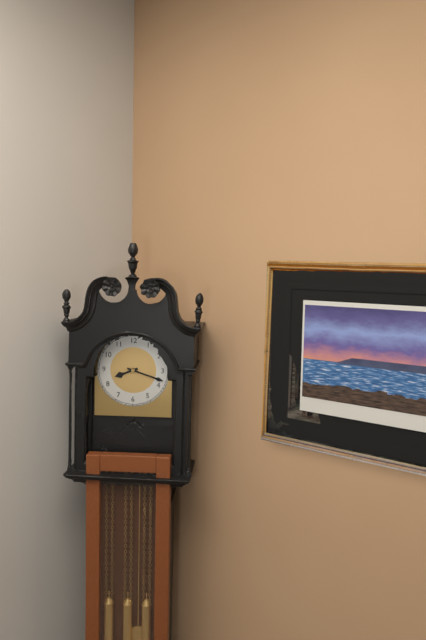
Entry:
8h18
